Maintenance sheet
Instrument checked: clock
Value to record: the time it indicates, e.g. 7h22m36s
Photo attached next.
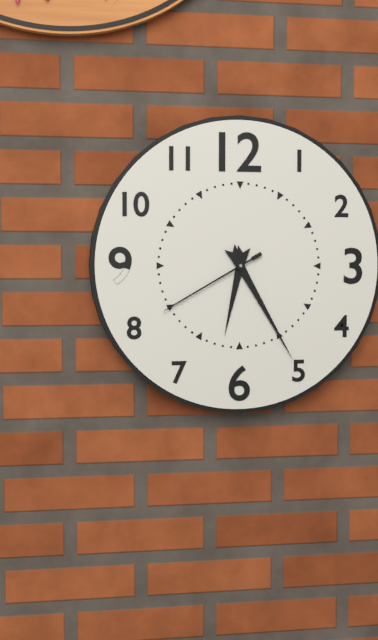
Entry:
6h25m40s
